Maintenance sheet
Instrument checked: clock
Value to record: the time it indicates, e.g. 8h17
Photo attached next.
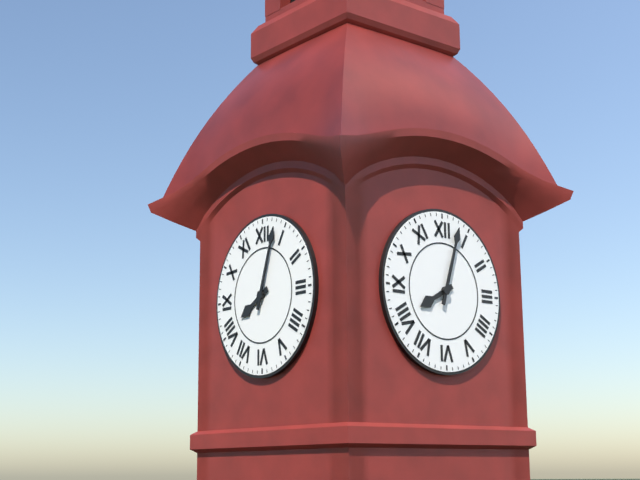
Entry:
8h03
